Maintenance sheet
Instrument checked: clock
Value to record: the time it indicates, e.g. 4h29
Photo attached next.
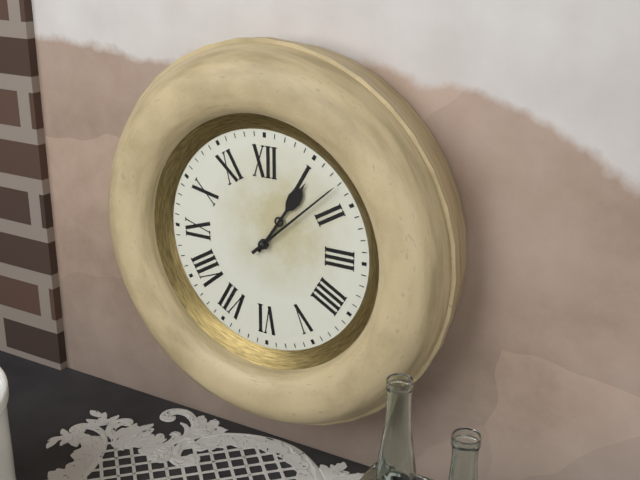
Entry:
1h08
